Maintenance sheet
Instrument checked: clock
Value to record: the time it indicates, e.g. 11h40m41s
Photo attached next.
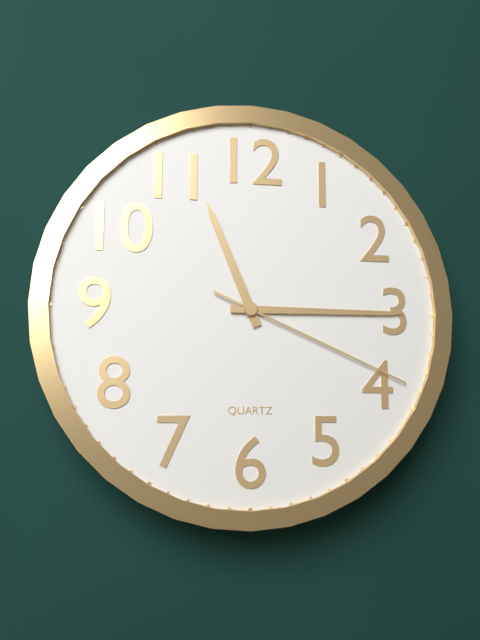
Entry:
11h15m19s
